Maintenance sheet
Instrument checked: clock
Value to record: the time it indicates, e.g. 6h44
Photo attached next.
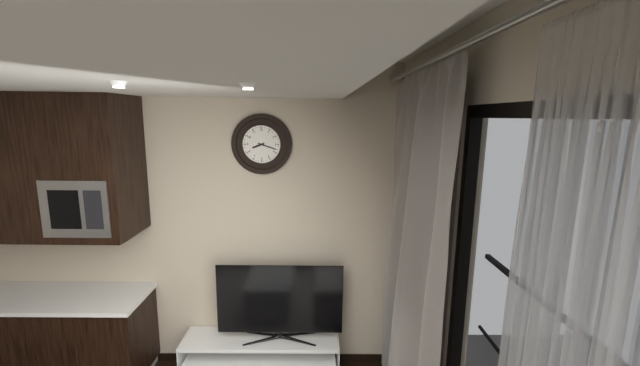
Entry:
8h18
